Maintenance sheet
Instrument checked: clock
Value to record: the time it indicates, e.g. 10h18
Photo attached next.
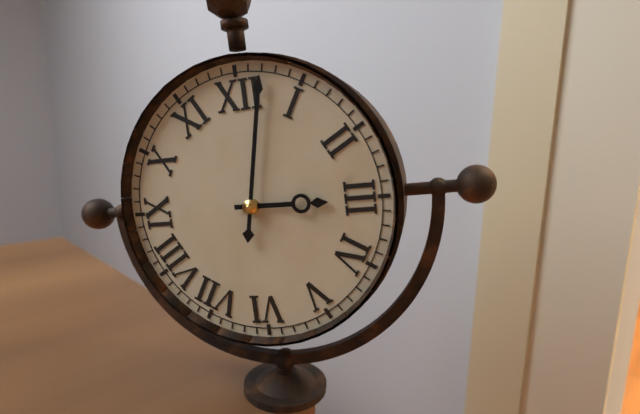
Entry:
3h02
